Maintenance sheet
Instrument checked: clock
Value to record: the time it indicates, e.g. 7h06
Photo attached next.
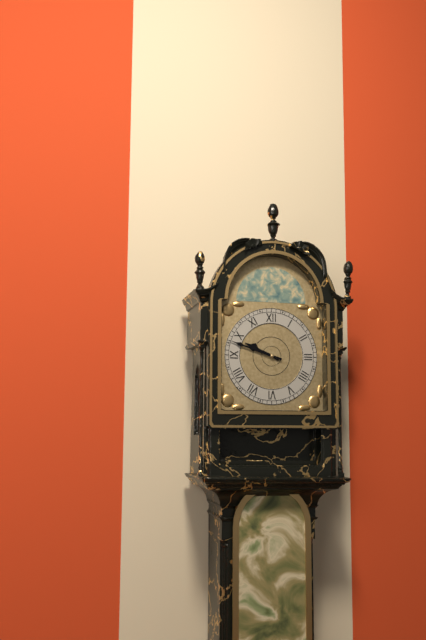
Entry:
9h48
